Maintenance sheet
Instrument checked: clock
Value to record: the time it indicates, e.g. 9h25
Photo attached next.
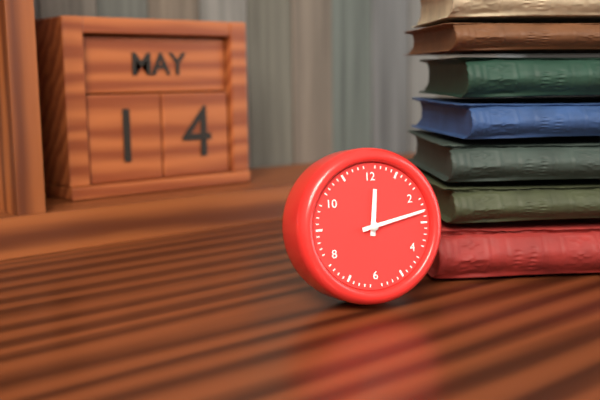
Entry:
12h13
